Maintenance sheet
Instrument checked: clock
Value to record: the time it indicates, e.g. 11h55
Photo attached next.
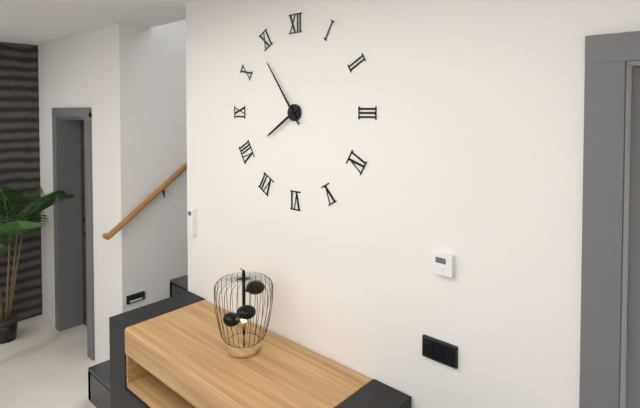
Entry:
7h54
